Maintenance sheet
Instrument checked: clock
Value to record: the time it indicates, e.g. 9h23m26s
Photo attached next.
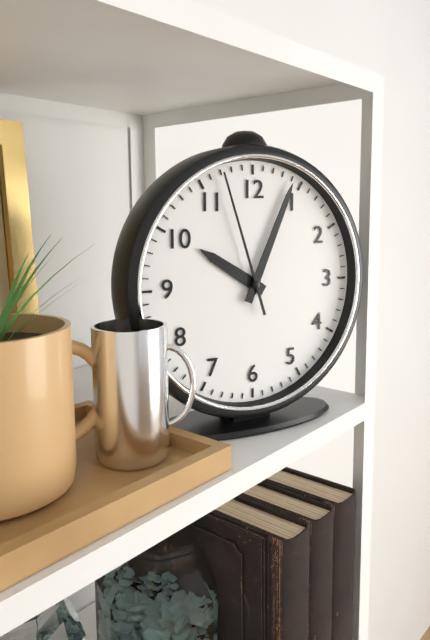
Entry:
10h04m57s
